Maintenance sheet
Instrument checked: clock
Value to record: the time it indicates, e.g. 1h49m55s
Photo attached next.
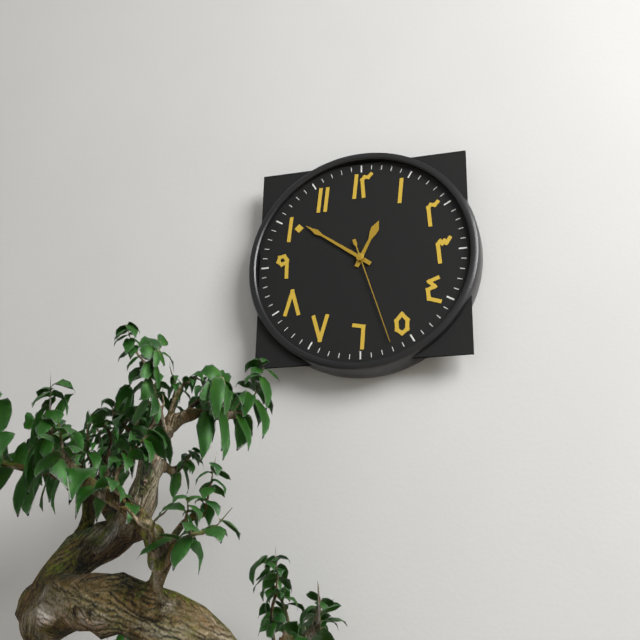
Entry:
12h51m27s
